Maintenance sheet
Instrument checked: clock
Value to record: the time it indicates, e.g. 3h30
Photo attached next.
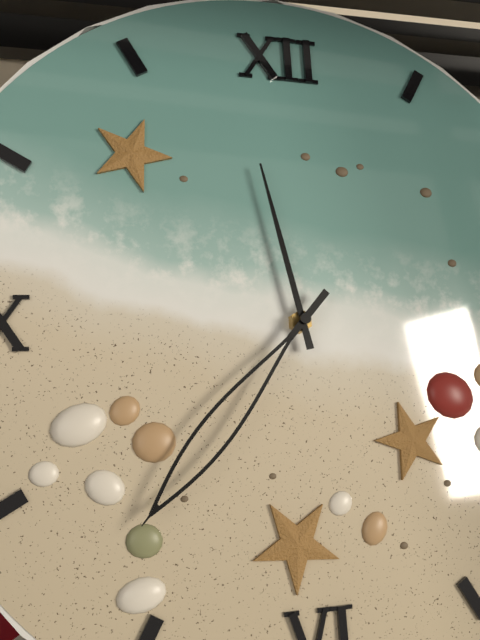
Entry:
11h37
